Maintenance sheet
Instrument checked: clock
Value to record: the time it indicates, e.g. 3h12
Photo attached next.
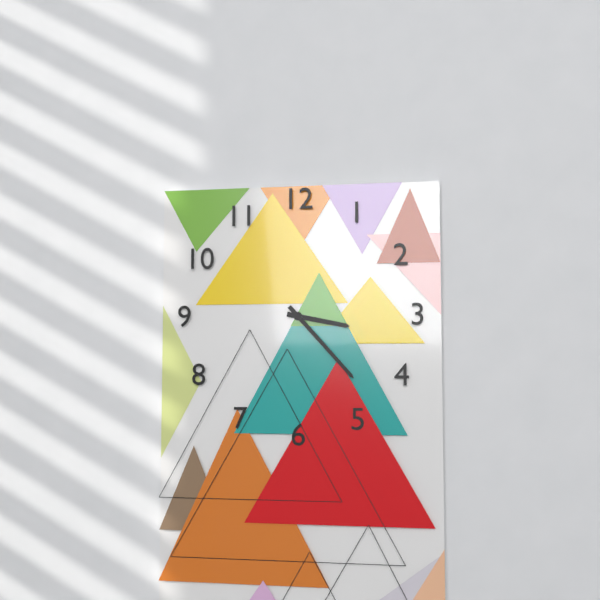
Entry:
3h23
